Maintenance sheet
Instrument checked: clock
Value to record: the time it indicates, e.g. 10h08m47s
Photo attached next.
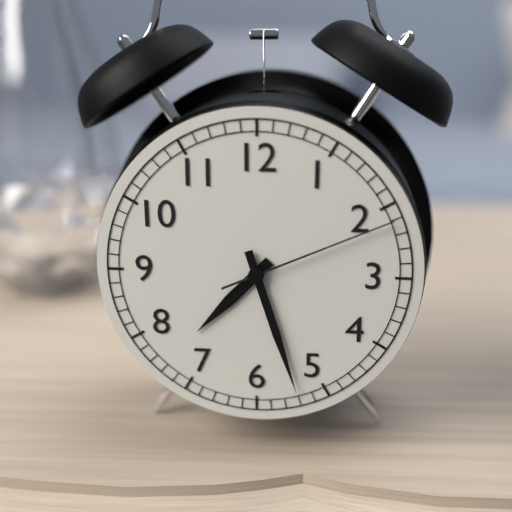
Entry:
7h27m11s
